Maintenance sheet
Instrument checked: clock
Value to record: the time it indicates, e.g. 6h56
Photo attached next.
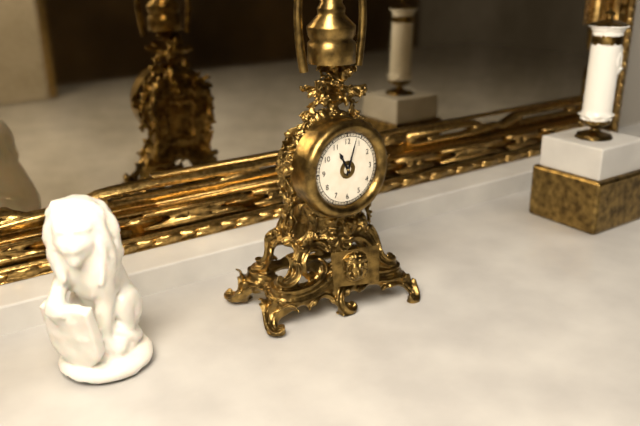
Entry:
11h03
